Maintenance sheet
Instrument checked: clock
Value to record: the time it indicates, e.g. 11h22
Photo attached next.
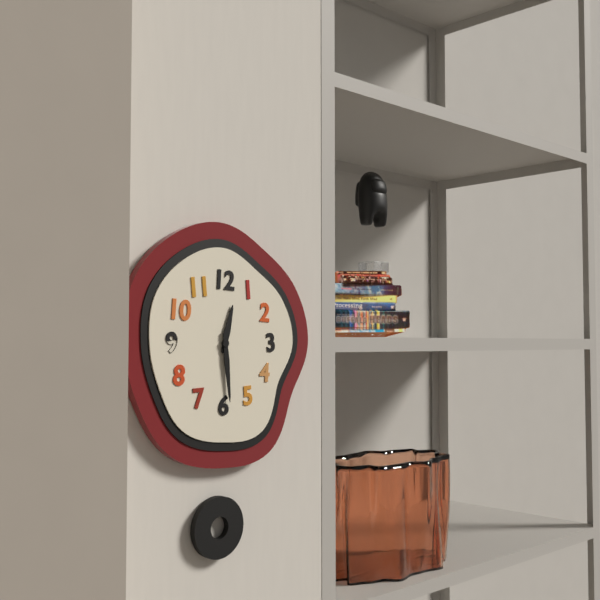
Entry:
12h29
